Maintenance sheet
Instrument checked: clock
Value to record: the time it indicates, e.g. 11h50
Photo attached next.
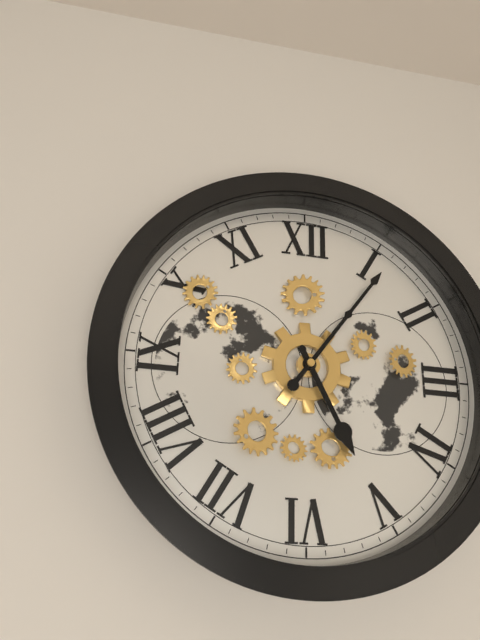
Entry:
5h06
